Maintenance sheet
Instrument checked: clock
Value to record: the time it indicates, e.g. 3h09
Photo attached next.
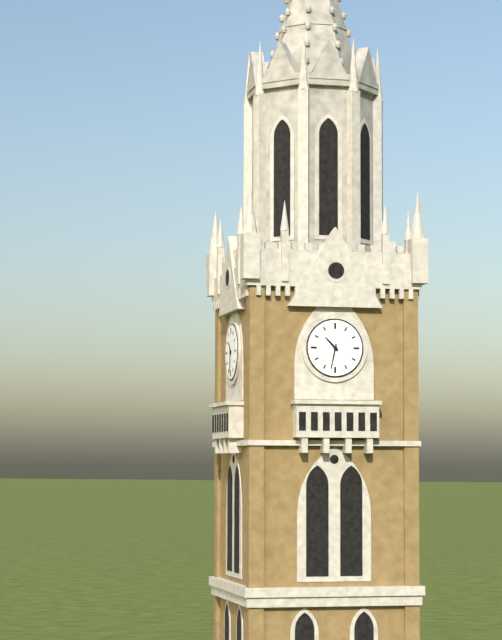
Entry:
10h32
